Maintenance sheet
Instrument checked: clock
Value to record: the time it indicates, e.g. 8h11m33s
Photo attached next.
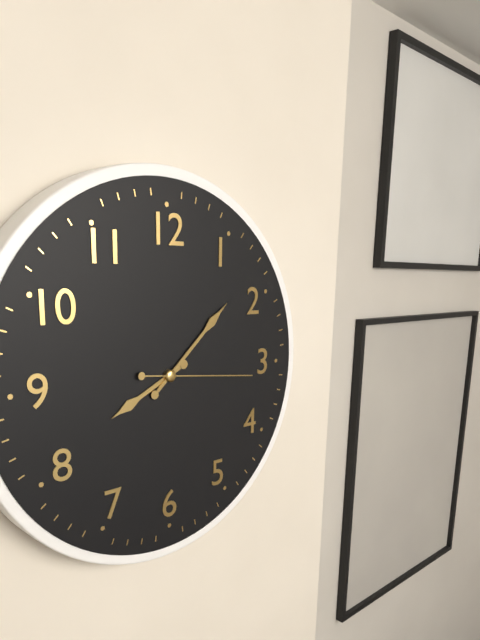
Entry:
8h08m16s
